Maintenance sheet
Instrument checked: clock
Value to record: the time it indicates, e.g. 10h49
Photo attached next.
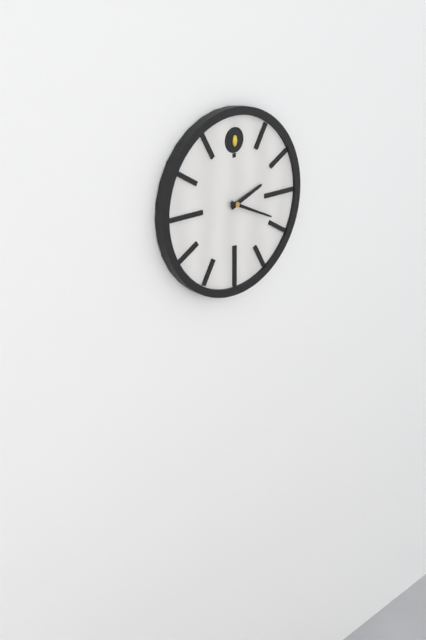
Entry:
2h19
